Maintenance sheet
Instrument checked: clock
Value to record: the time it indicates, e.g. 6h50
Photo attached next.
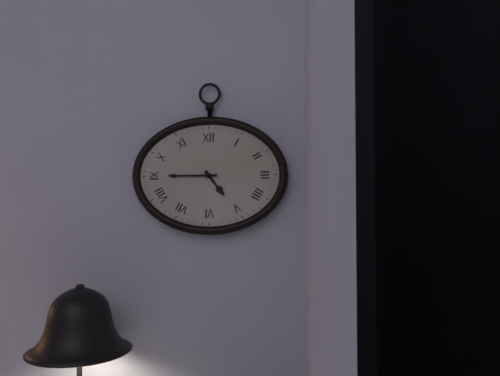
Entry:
4h45
